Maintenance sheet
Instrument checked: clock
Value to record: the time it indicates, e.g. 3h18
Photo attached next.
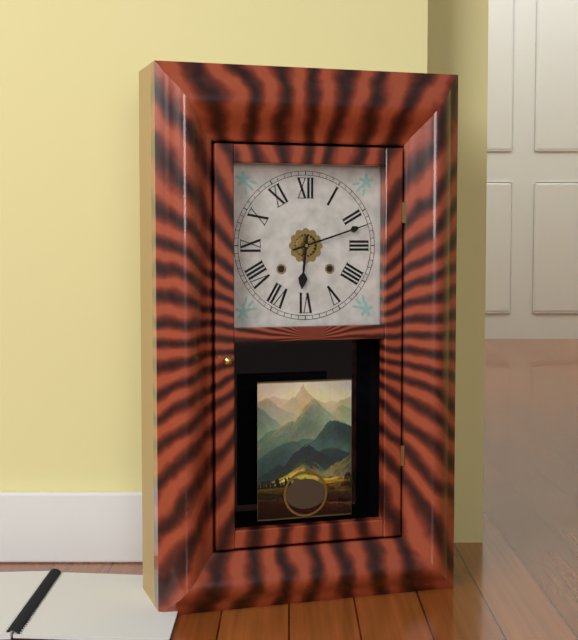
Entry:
6h12
